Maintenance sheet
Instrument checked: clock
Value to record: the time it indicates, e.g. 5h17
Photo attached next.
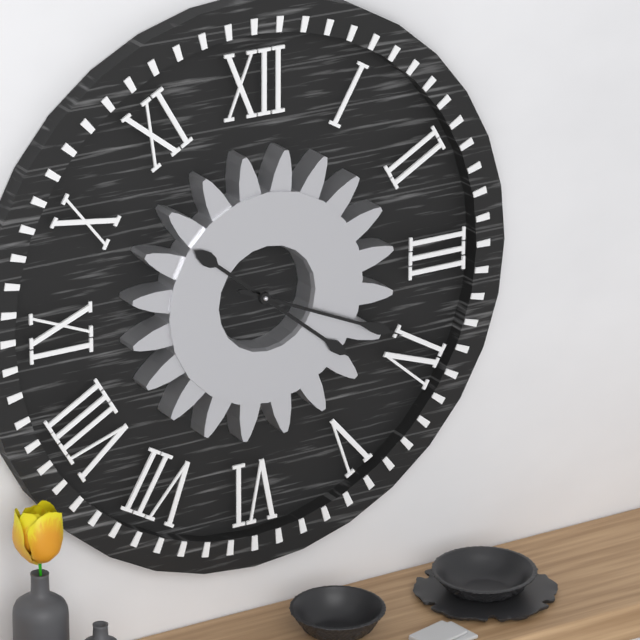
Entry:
4h19
